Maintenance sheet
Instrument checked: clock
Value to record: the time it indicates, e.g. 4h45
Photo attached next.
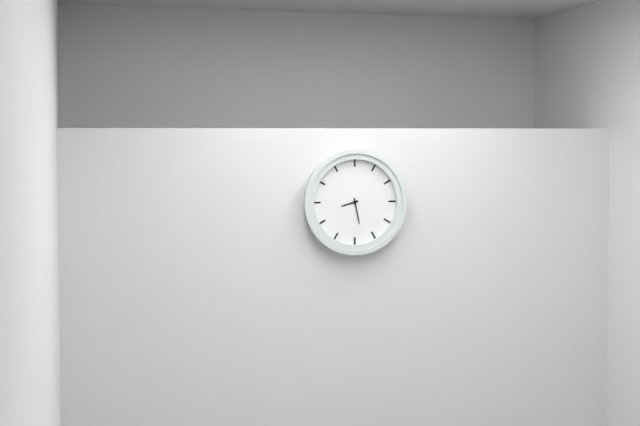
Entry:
8h28
